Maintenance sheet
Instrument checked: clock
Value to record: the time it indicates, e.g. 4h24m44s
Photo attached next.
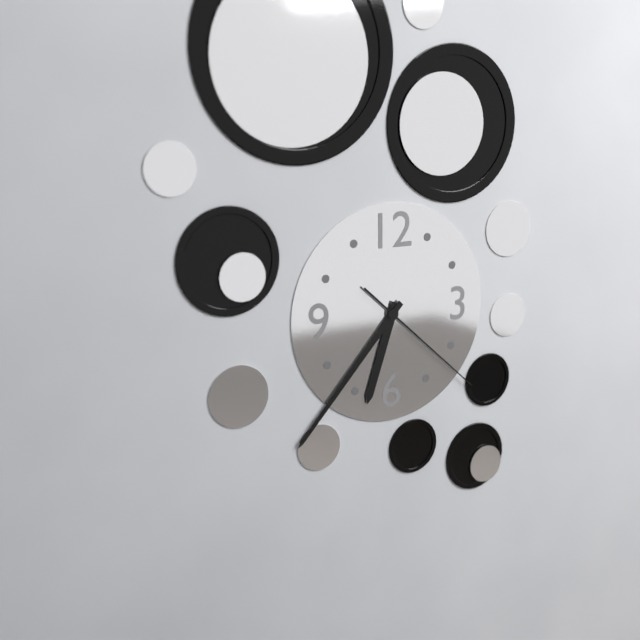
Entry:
6h37m22s
